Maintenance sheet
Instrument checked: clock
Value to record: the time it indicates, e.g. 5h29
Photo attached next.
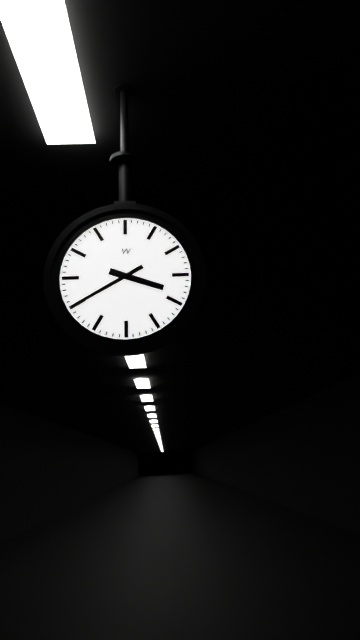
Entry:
3h40
